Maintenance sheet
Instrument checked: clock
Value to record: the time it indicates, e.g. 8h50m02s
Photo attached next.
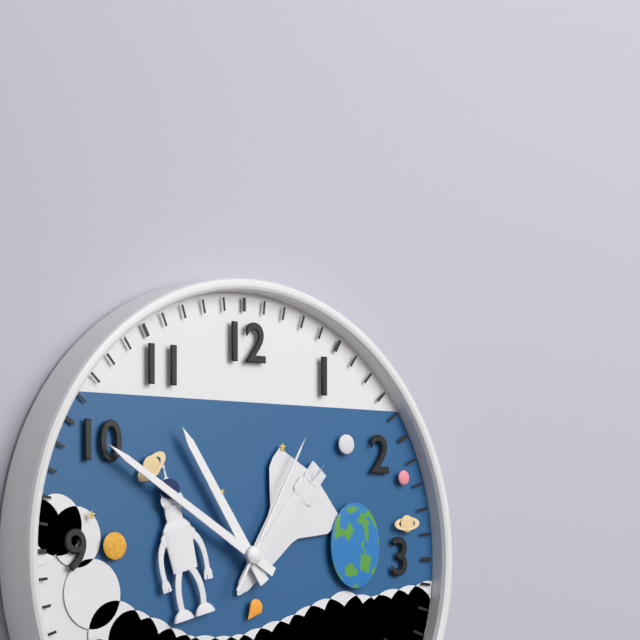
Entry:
10h50m05s
